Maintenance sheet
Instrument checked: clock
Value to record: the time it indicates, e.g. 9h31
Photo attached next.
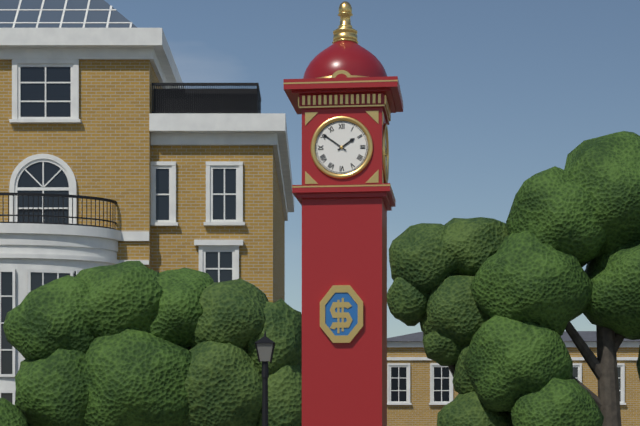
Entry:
1h51
